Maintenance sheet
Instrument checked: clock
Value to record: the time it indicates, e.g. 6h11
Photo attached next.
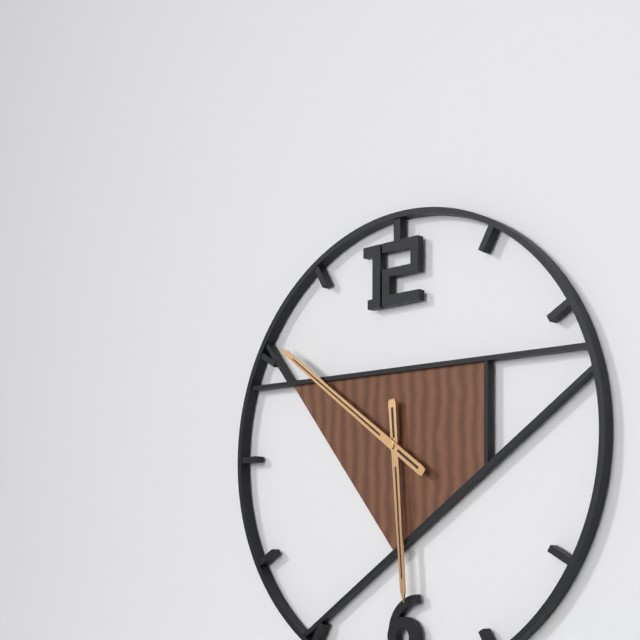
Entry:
5h51
